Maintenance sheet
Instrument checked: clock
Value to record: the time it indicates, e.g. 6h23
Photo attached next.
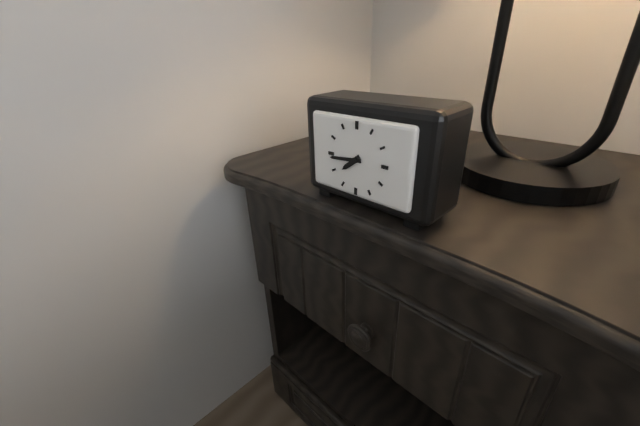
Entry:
7h44
